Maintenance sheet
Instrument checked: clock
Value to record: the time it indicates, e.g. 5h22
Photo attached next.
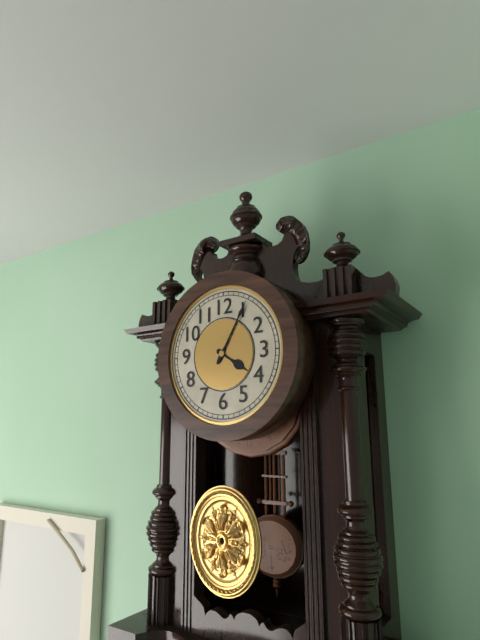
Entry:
4h05
